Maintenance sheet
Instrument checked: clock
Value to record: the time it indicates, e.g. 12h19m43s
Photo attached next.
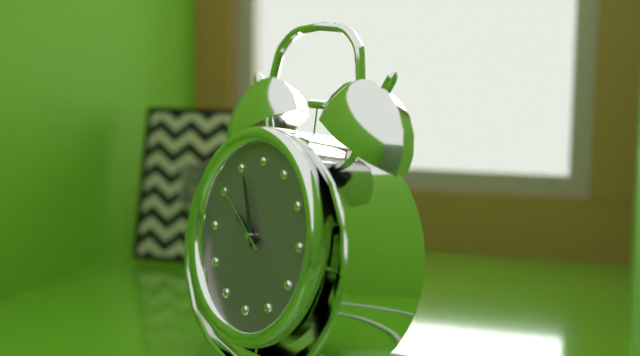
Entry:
9h56m51s
